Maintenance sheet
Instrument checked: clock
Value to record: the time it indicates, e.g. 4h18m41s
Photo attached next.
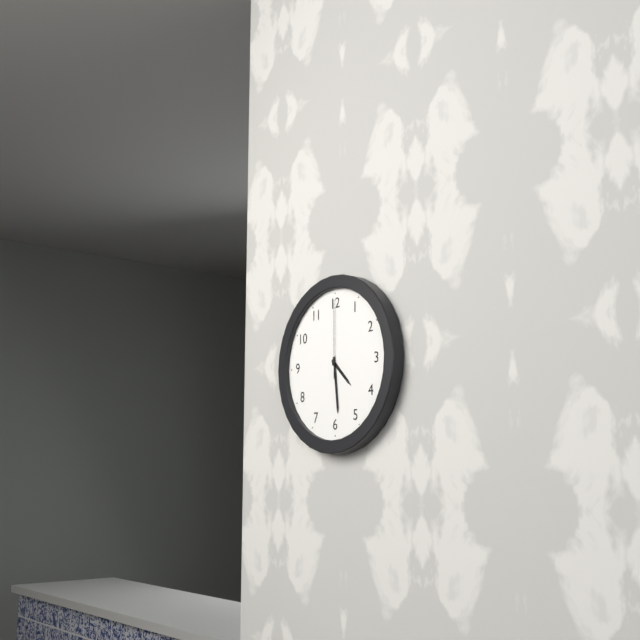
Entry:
4h29m00s
